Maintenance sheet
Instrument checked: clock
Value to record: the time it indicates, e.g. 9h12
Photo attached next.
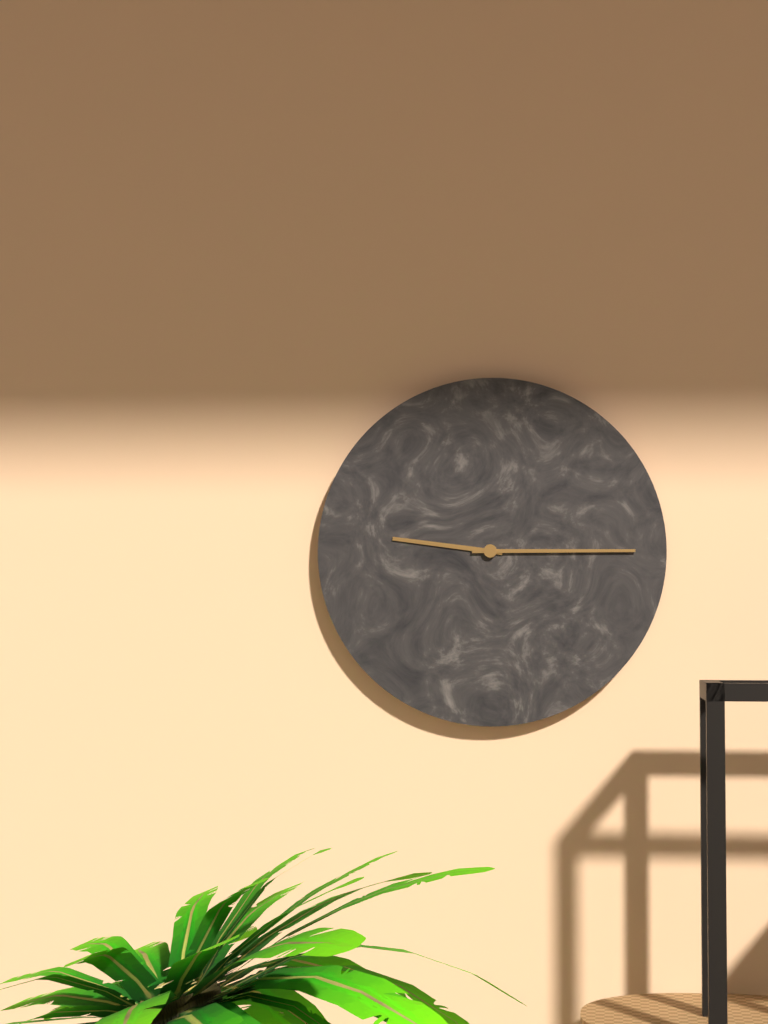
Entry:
9h15
